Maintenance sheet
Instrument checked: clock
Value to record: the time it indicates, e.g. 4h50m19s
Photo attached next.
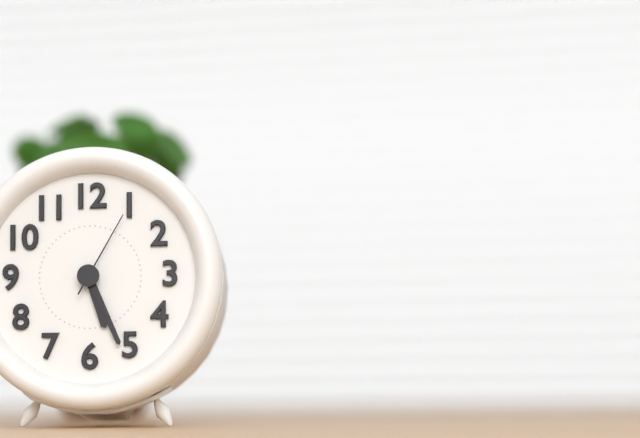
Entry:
5h26m05s
